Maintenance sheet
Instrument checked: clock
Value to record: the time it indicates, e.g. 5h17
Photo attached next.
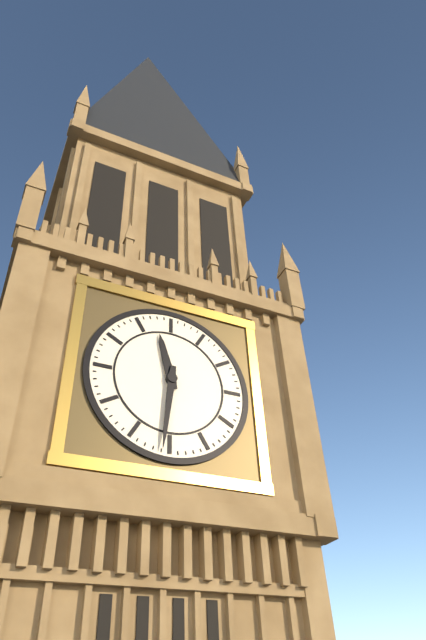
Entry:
11h31
